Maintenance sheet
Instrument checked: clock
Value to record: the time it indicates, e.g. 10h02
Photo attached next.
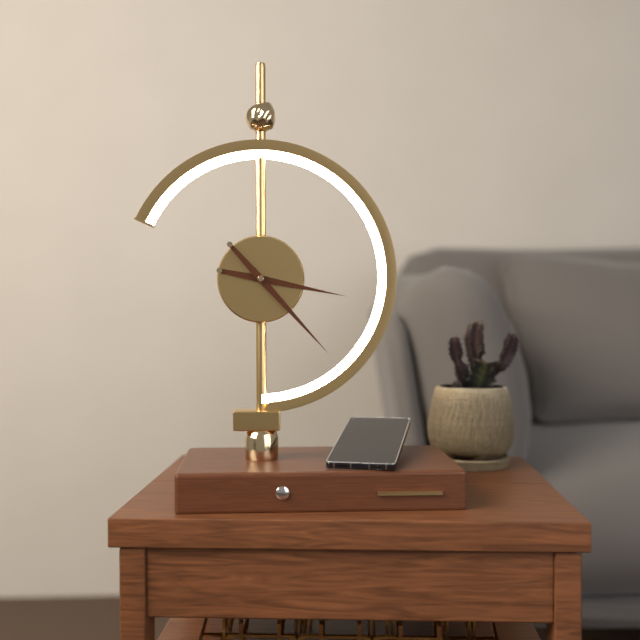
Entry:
3h23
